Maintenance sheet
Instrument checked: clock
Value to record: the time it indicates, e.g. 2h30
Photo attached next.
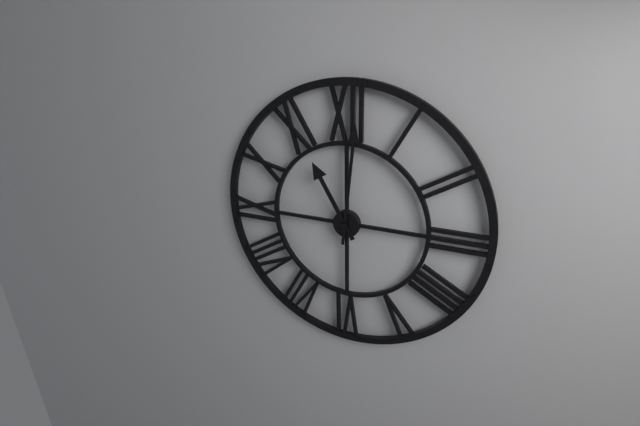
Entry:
11h01
